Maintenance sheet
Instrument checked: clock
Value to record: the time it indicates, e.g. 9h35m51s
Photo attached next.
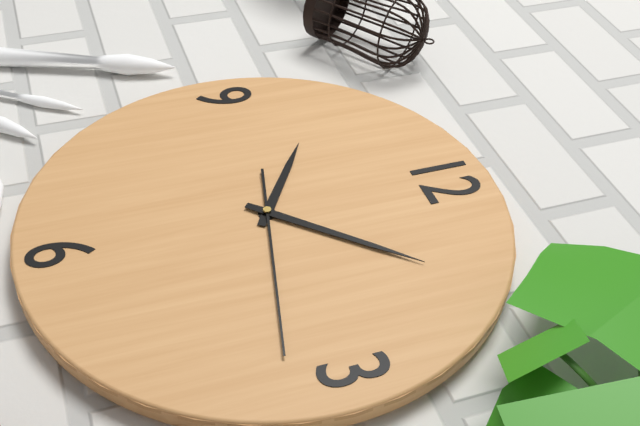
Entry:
10h07m17s
